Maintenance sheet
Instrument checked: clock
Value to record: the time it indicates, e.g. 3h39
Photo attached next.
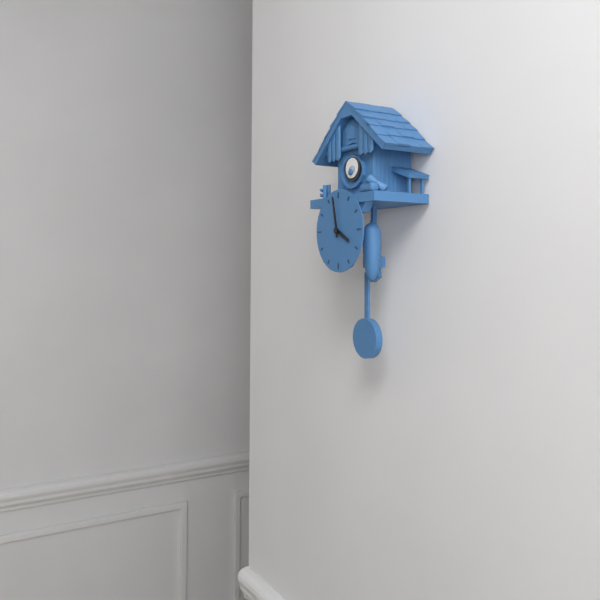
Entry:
3h58
